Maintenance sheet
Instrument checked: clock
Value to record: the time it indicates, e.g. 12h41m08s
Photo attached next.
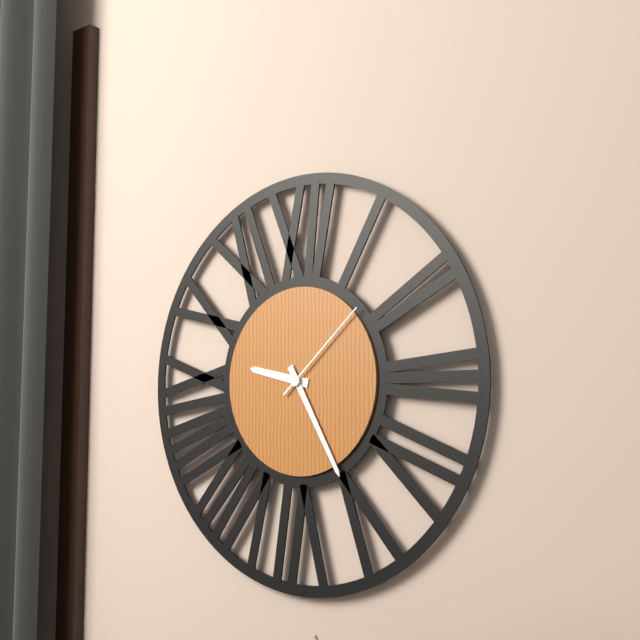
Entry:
9h25m08s
